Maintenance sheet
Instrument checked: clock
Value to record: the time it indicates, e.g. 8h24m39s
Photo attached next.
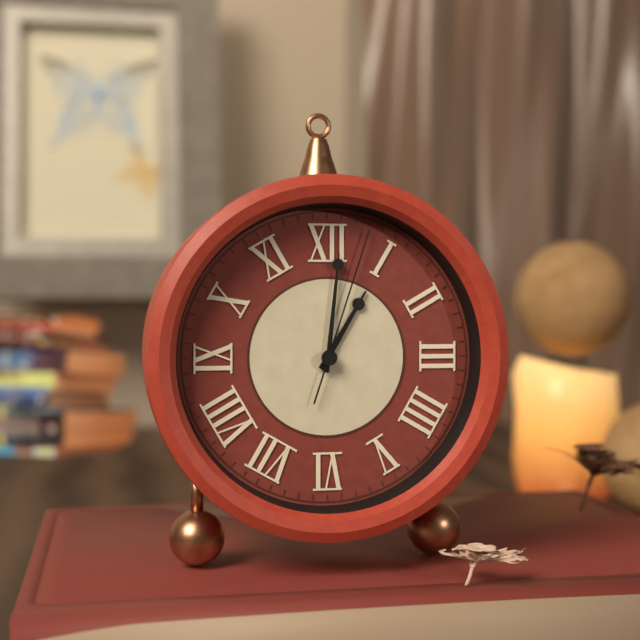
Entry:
1h01m03s
